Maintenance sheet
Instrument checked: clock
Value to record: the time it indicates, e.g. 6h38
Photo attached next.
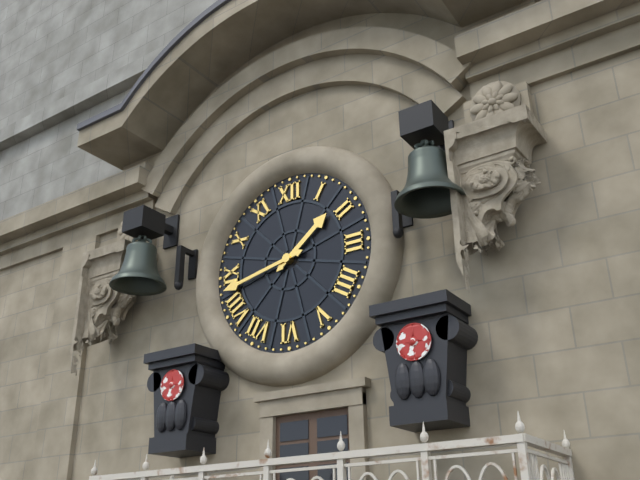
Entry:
1h43
